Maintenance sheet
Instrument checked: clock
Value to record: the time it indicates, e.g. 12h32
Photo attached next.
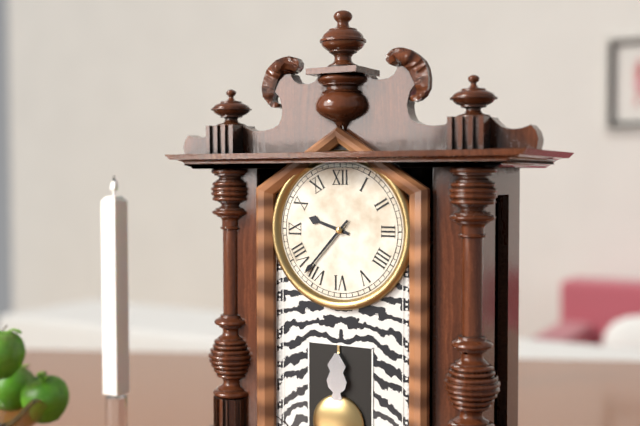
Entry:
9h37
